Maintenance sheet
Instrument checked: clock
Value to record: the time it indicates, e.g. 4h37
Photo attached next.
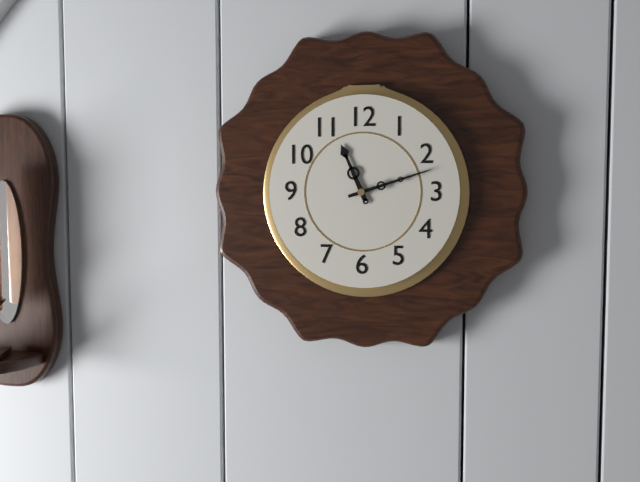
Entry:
11h12
